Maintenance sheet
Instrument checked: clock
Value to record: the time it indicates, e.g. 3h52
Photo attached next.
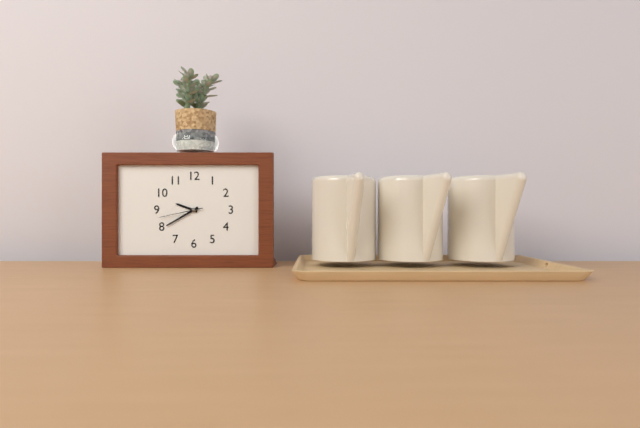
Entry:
9h40
